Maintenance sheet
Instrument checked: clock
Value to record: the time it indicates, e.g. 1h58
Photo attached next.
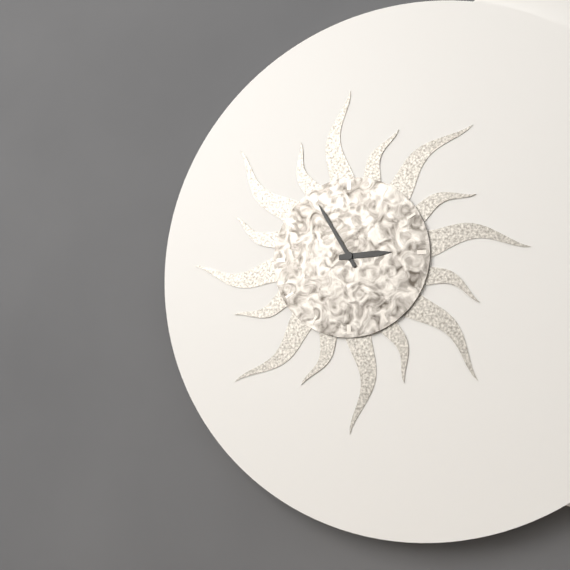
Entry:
2h55
